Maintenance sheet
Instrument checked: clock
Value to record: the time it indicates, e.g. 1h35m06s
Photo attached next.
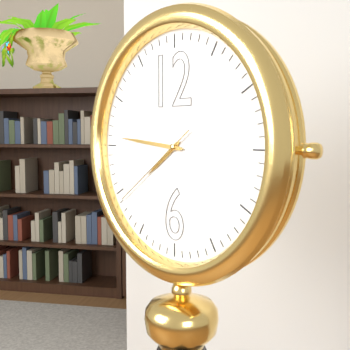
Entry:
7h46m39s
